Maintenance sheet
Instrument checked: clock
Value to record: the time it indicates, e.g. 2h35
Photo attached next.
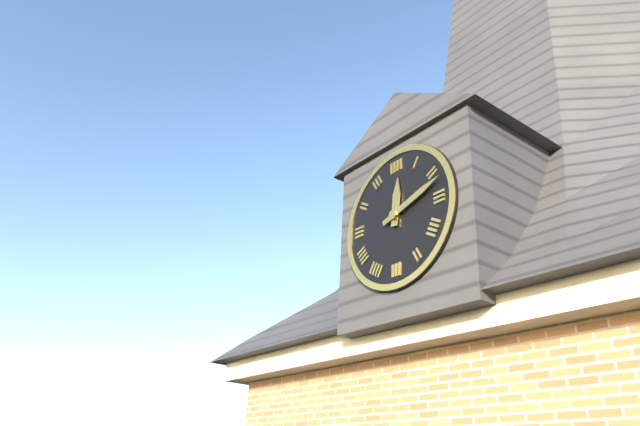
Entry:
12h12
